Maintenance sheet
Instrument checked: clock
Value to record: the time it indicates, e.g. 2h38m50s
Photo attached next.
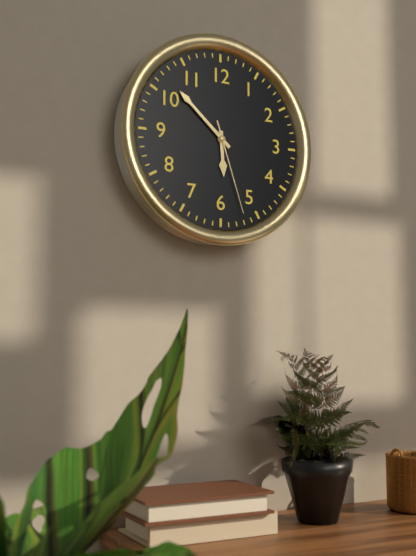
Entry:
5h52m27s
